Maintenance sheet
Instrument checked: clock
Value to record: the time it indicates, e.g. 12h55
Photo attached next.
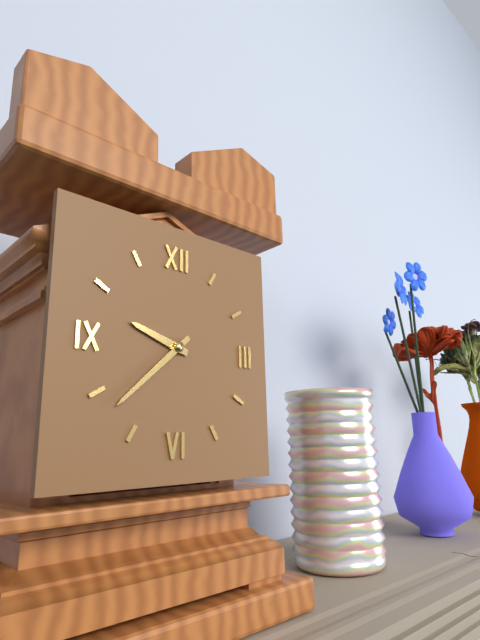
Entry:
9h38
